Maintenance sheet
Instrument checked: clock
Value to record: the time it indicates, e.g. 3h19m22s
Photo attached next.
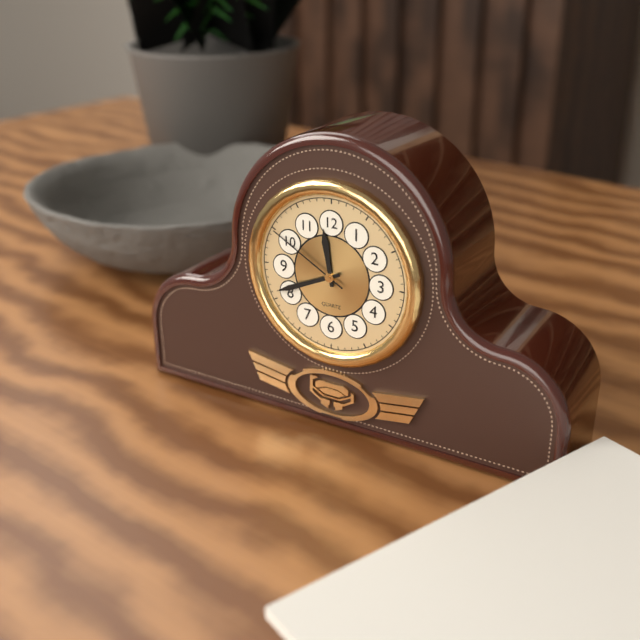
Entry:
11h41m50s
